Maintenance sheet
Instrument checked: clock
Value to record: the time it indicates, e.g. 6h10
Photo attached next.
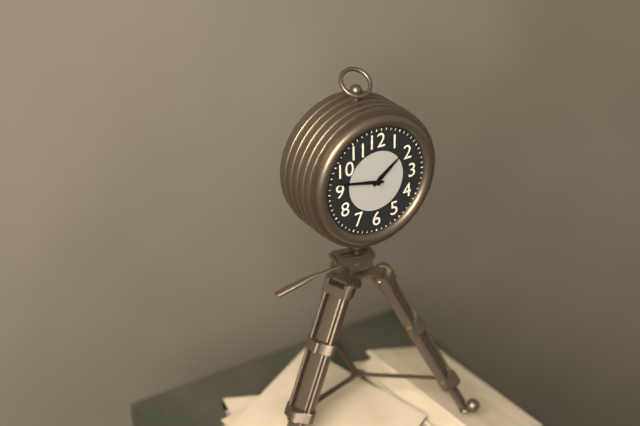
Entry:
1h47
